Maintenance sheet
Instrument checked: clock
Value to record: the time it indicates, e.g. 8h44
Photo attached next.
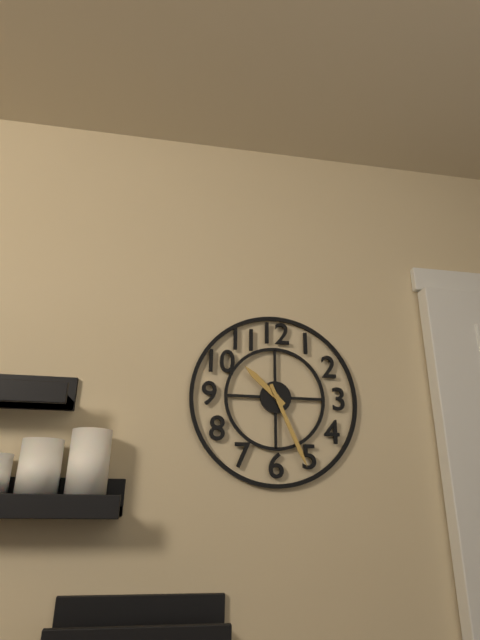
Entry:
10h26
